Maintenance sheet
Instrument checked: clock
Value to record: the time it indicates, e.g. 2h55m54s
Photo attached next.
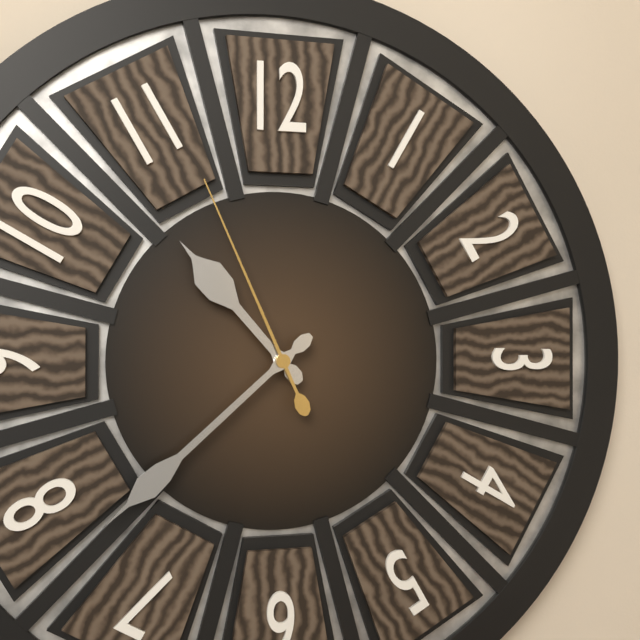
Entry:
10h38m56s
